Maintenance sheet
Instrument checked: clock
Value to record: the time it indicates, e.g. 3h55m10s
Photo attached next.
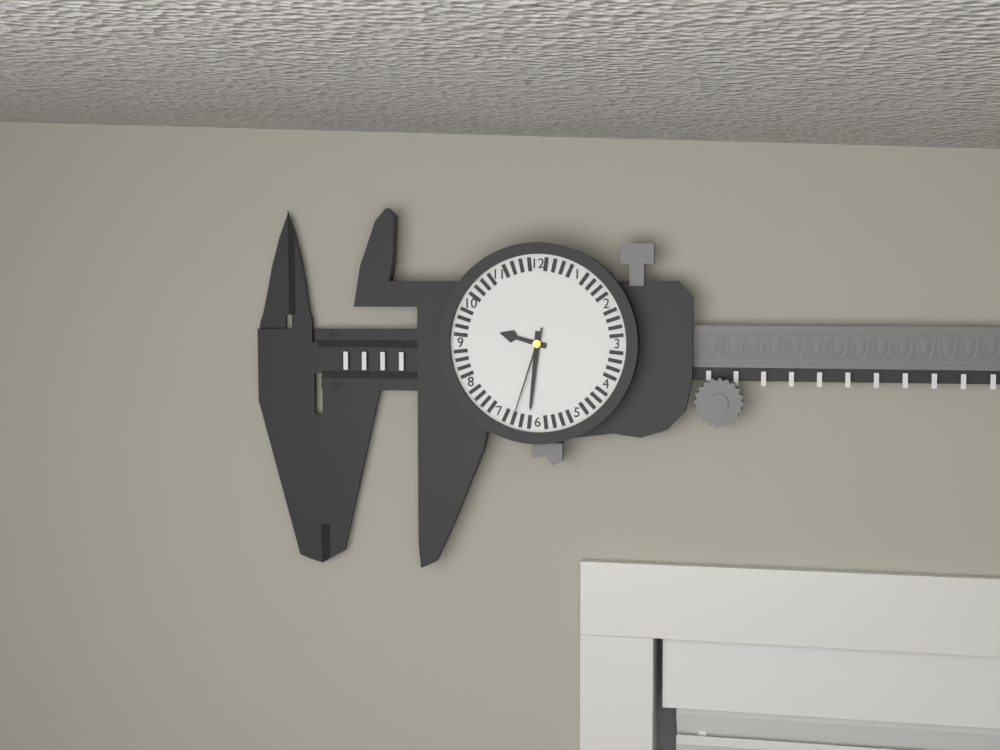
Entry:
9h31m33s
